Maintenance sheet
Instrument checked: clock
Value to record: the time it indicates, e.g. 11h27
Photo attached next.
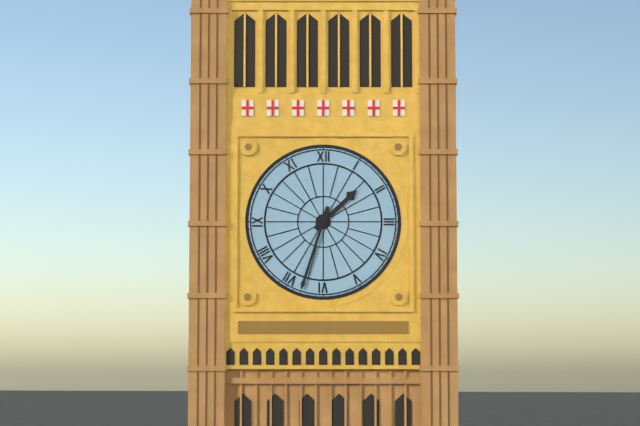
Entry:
1h33
